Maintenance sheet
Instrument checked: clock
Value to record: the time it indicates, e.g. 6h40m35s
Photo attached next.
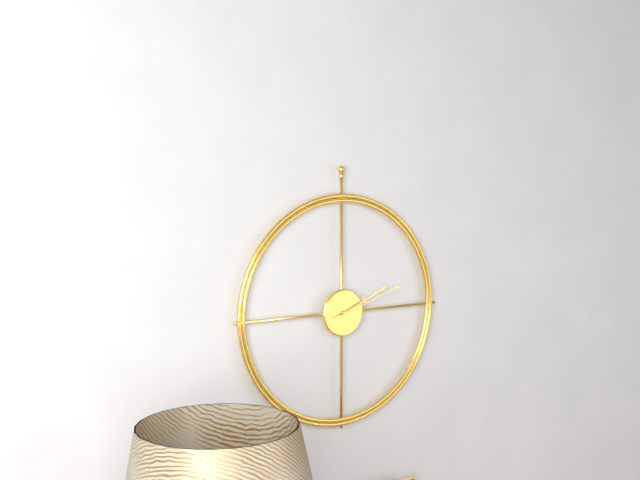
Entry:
2h11m12s
